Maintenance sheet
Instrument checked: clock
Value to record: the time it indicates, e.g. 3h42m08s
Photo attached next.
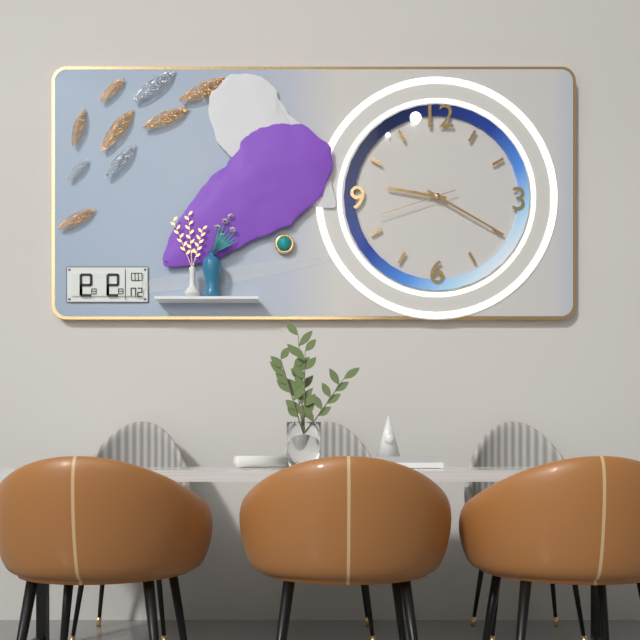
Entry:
9h20m42s
